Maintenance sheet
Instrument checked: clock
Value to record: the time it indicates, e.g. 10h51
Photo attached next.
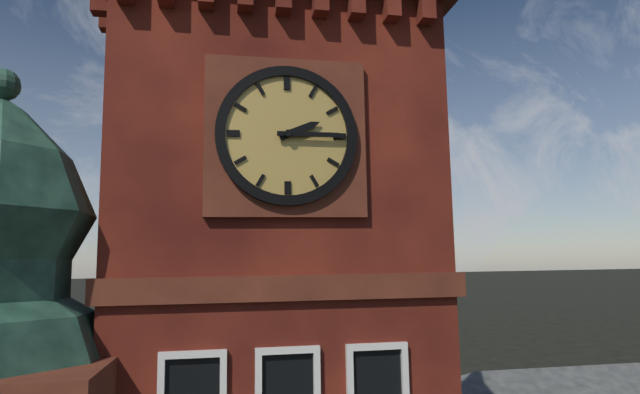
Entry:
2h15
